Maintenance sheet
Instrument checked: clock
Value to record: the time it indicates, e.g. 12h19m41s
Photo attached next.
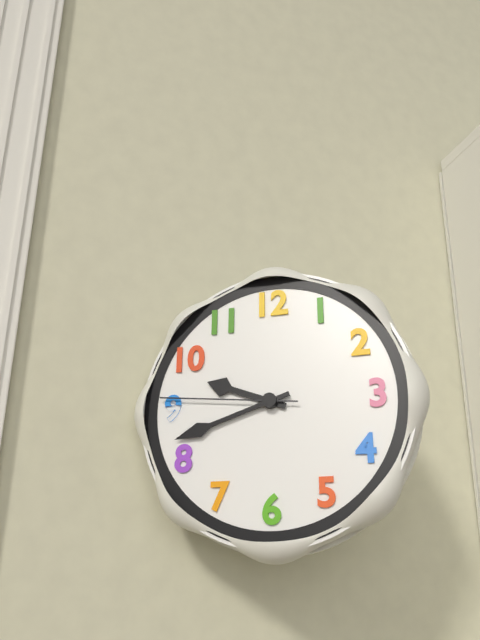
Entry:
9h42m46s
